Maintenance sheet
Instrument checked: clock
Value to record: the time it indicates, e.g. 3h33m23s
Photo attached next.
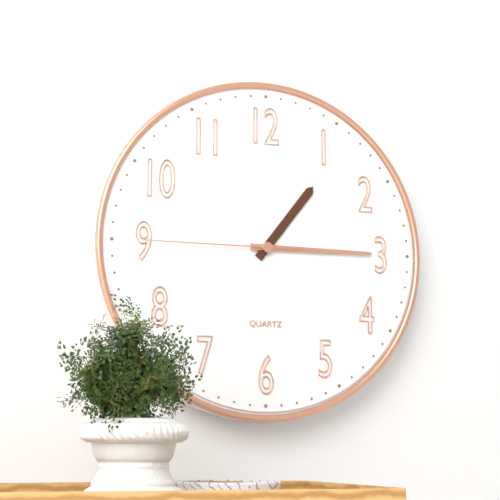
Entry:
1h15m45s
